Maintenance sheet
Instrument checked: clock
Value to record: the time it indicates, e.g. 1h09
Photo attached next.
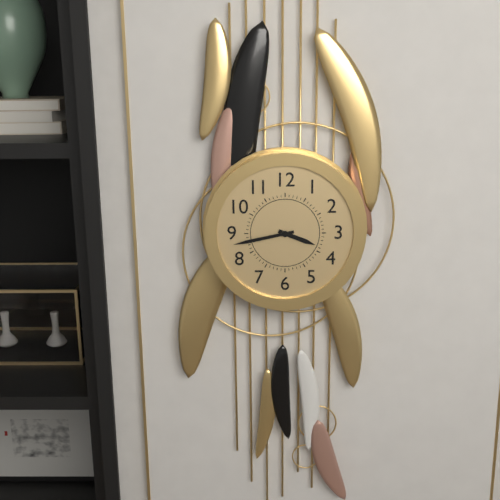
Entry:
3h43
